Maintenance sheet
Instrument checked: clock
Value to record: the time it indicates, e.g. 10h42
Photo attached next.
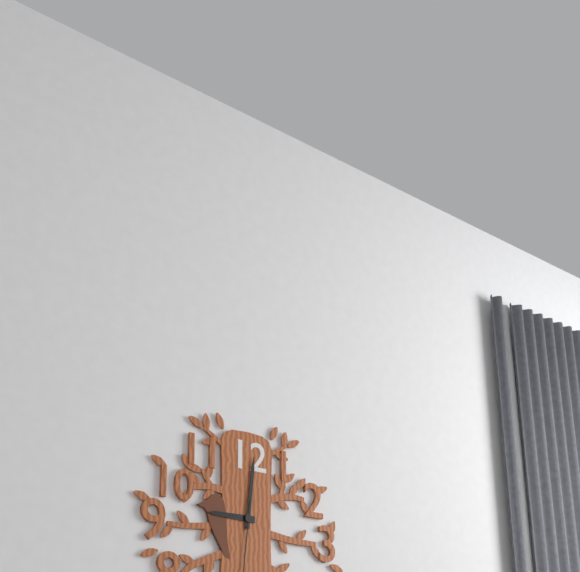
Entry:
9h01
